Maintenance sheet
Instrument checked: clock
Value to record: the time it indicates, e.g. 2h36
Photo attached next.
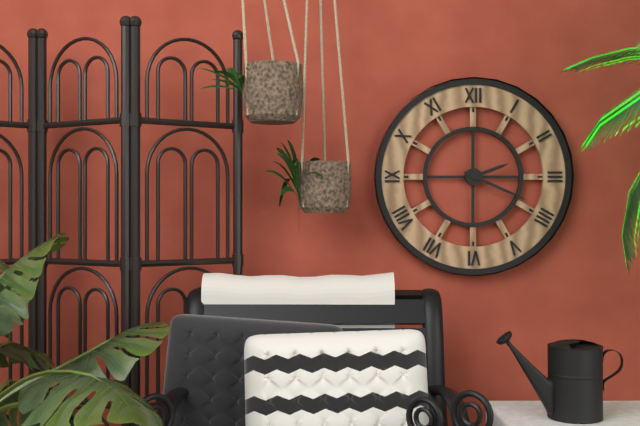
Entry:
2h19
